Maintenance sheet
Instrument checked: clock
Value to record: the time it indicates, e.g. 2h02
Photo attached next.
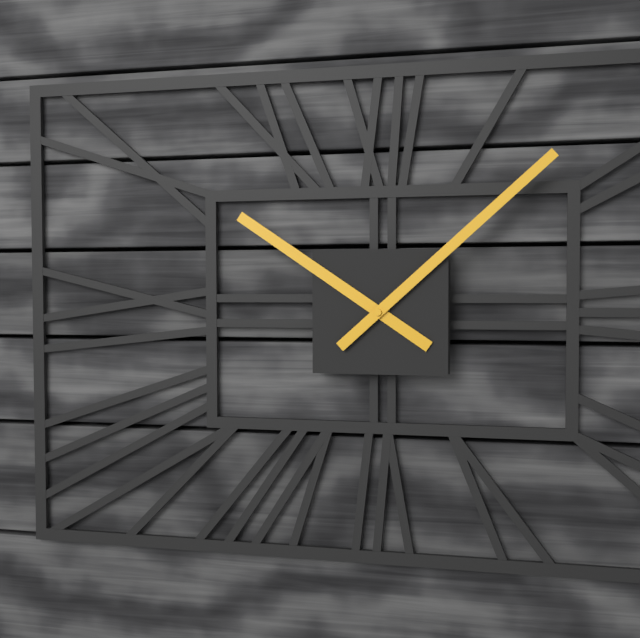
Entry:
10h08
